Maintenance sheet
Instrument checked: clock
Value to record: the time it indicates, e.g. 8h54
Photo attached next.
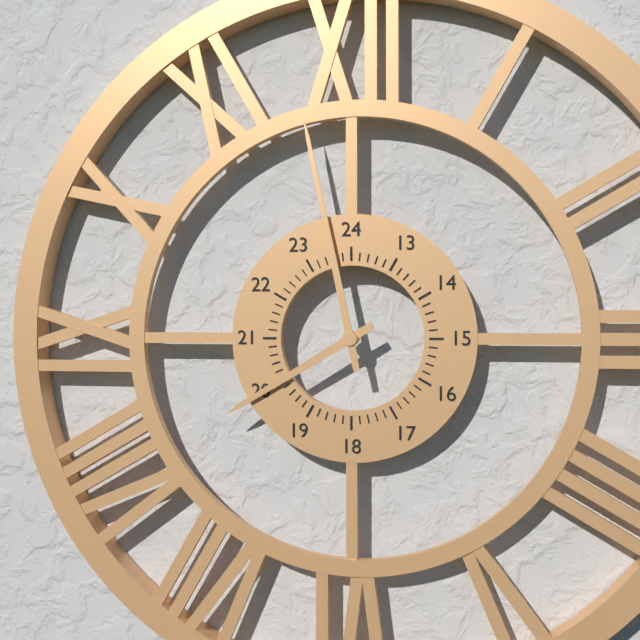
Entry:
7h58
